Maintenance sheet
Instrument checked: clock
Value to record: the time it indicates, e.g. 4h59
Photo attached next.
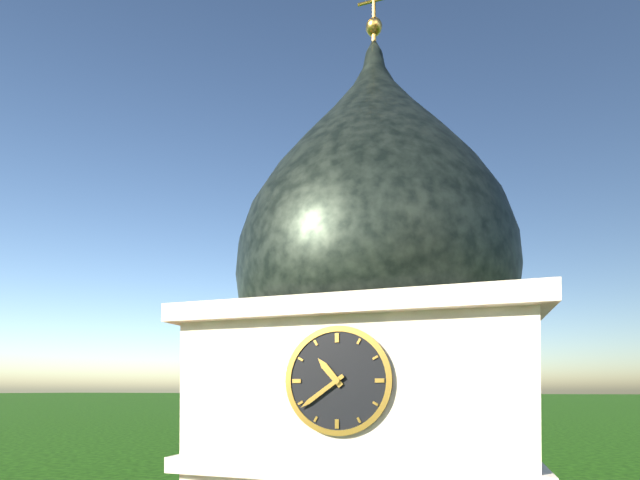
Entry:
10h39
